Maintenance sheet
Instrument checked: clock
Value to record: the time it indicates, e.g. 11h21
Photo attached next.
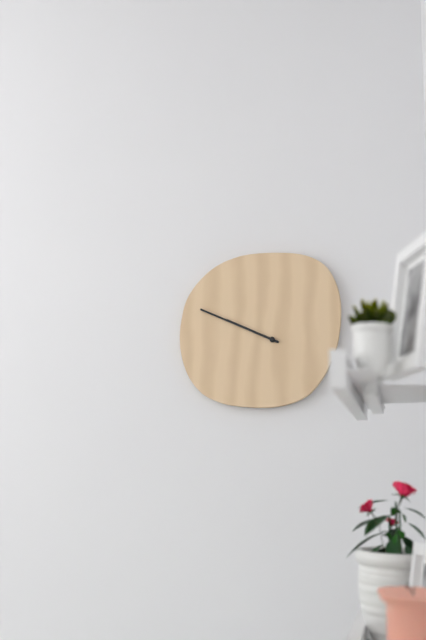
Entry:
9h49
